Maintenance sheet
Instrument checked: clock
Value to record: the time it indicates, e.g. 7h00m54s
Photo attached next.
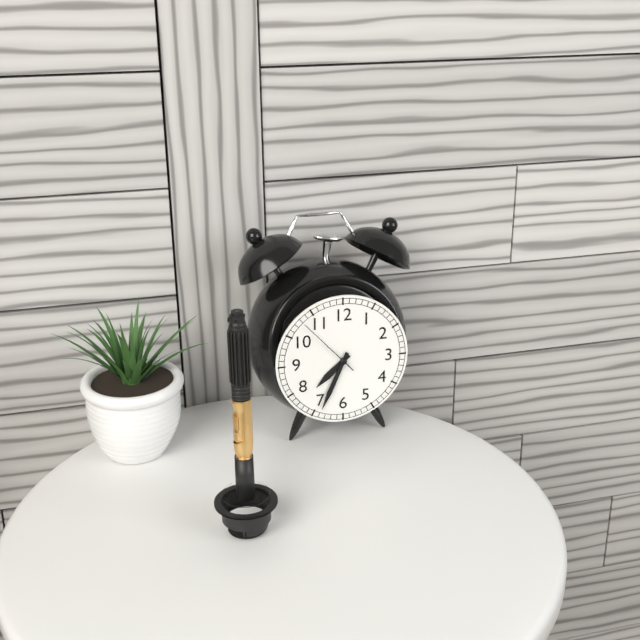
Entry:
7h34m53s
